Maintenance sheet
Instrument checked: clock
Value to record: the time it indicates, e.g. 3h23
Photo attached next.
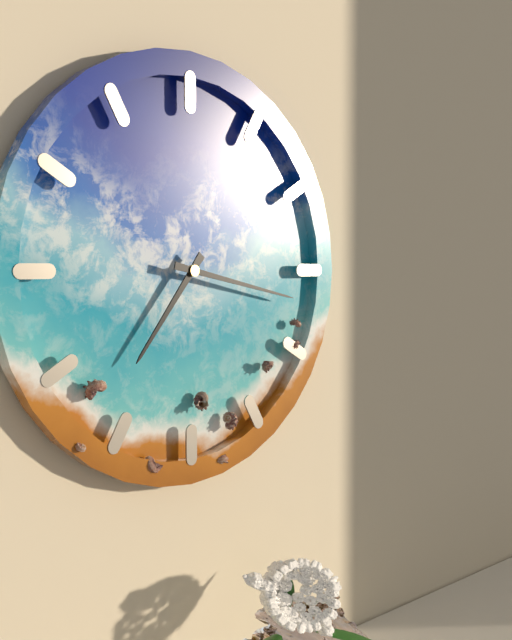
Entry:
7h17
